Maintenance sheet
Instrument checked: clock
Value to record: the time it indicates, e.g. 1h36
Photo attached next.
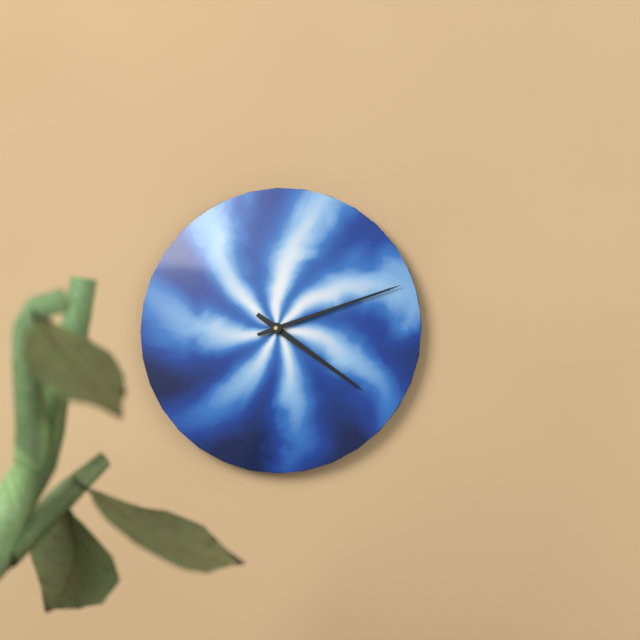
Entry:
4h12
